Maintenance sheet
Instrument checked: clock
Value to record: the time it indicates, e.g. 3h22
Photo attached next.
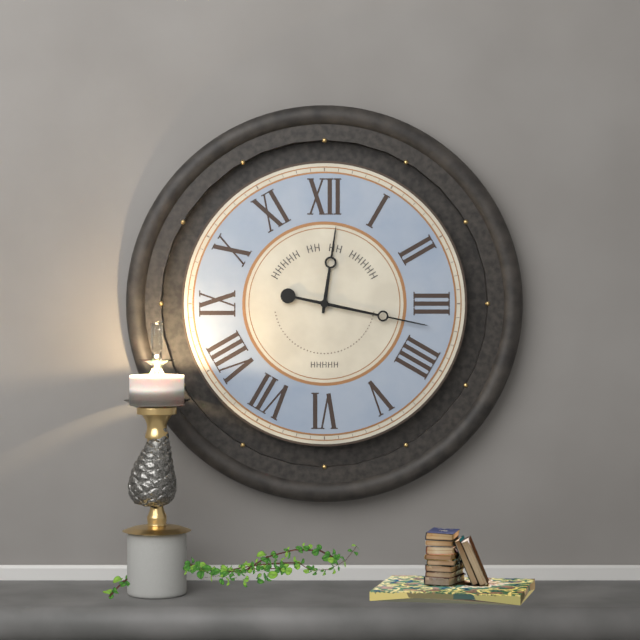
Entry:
12h17
